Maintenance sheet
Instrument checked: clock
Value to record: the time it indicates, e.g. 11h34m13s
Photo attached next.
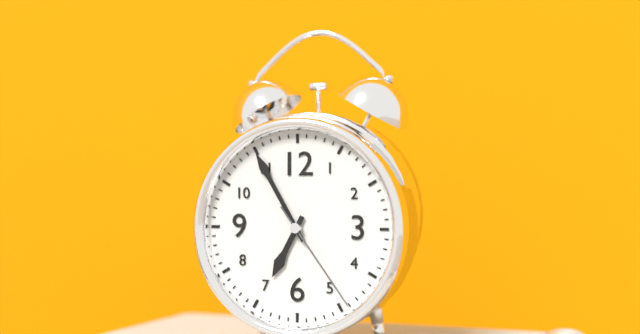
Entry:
6h55m24s
